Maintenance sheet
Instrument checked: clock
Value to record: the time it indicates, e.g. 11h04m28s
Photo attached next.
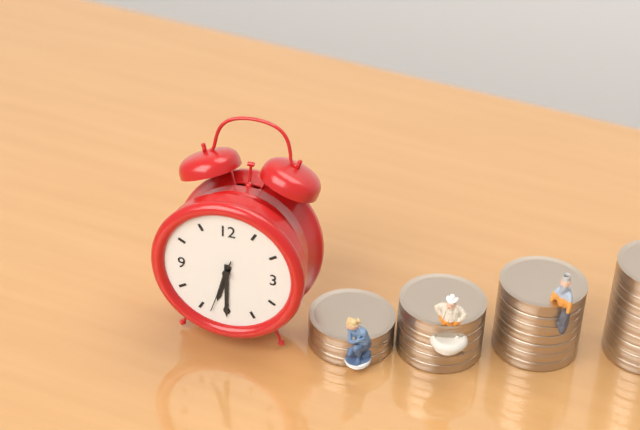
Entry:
6h30m33s
